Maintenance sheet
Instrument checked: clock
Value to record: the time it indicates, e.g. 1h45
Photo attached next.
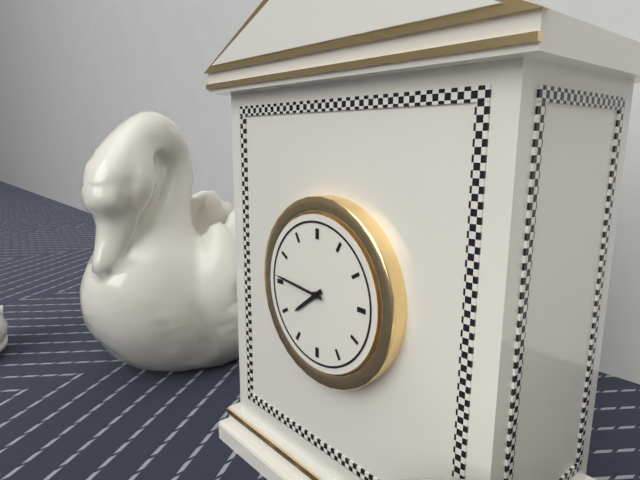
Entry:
7h46
